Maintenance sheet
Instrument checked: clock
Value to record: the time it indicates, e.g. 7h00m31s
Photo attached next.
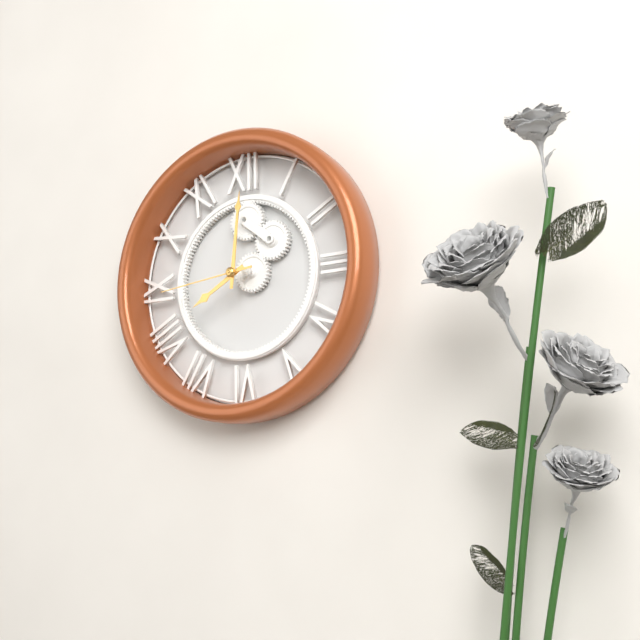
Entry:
8h01m44s
